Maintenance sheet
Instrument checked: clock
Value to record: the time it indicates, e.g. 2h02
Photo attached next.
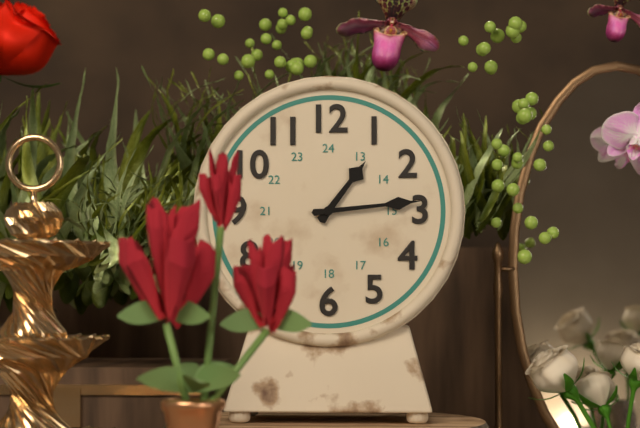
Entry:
1h14
